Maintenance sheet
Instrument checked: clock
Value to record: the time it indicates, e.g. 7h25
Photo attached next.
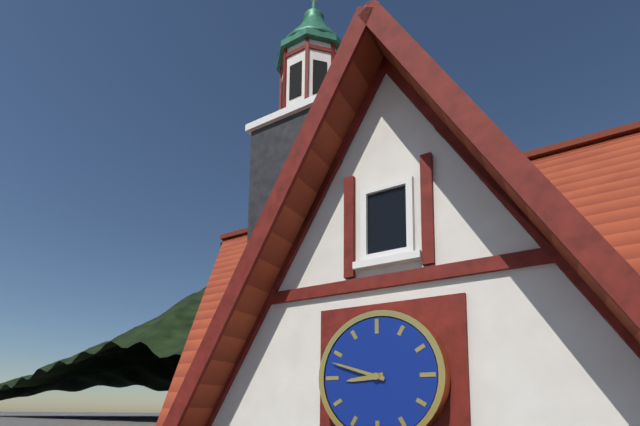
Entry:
8h48
